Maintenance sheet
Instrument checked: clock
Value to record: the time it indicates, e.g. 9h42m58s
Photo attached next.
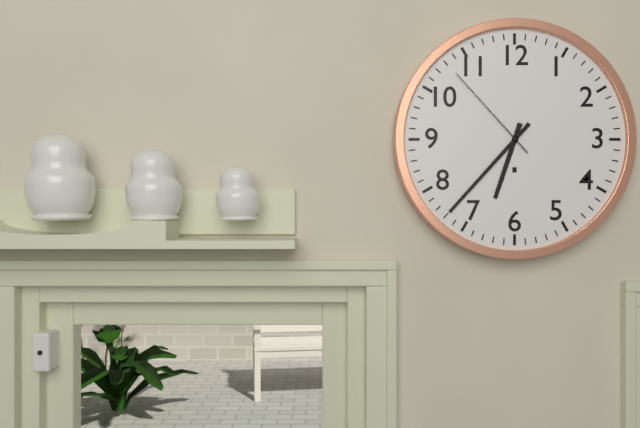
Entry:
6h37m53s
